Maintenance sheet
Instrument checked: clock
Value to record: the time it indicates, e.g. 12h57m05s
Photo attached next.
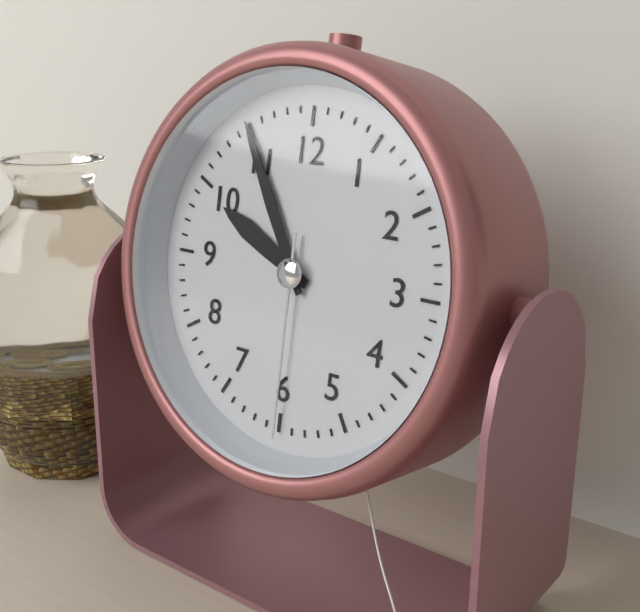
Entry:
9h55m30s
